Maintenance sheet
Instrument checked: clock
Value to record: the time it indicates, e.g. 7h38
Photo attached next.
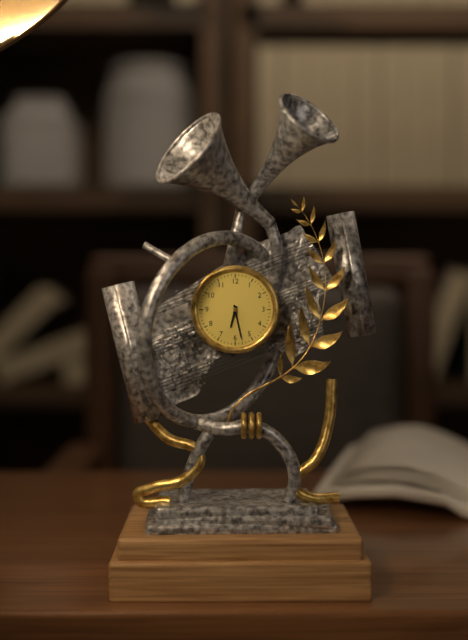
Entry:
6h28
